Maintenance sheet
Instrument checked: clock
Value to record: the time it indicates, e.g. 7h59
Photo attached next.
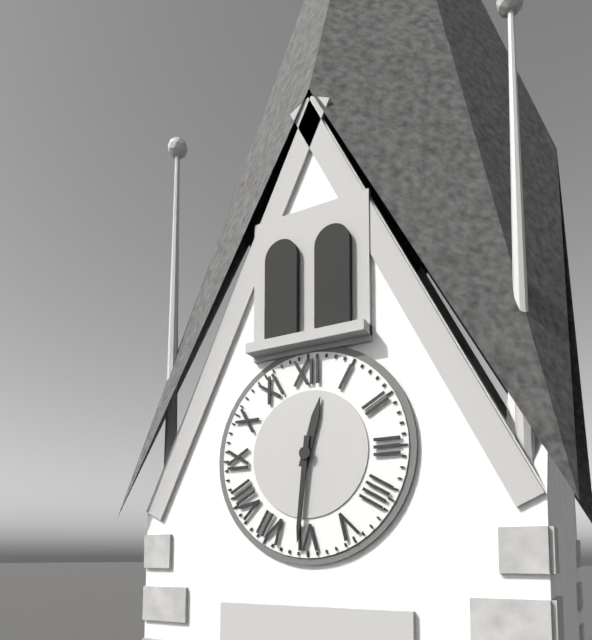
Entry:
12h31
